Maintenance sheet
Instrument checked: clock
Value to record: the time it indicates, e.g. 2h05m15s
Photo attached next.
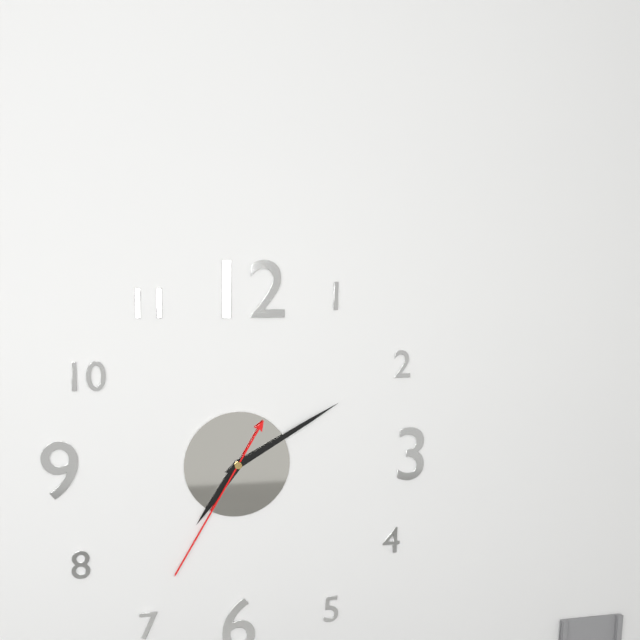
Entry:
7h10m35s
